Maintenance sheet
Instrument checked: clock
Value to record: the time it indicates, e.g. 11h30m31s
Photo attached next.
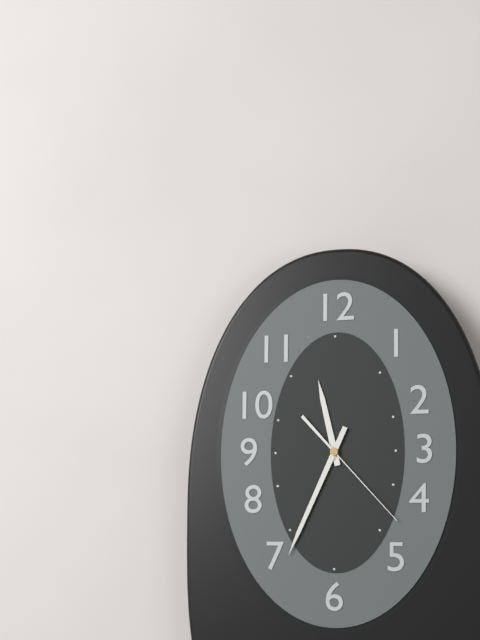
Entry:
11h34m23s
